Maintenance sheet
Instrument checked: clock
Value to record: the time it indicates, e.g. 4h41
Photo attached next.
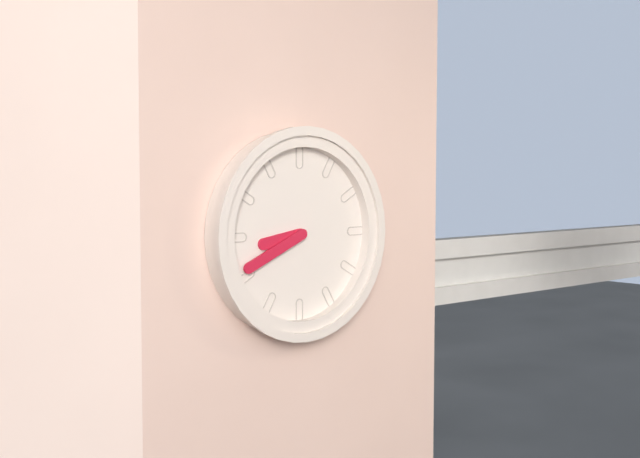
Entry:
8h41
